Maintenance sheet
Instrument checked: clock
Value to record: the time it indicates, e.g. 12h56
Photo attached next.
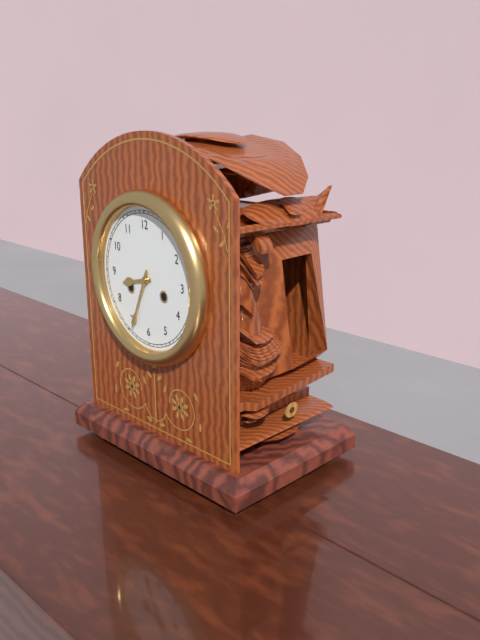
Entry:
8h34
